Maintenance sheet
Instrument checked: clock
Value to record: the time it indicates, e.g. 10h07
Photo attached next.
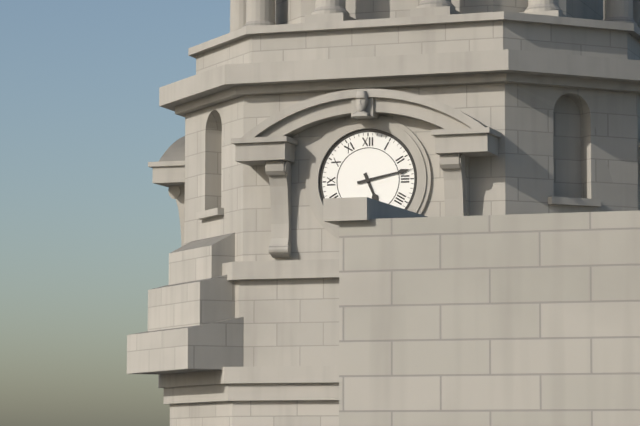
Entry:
5h13
